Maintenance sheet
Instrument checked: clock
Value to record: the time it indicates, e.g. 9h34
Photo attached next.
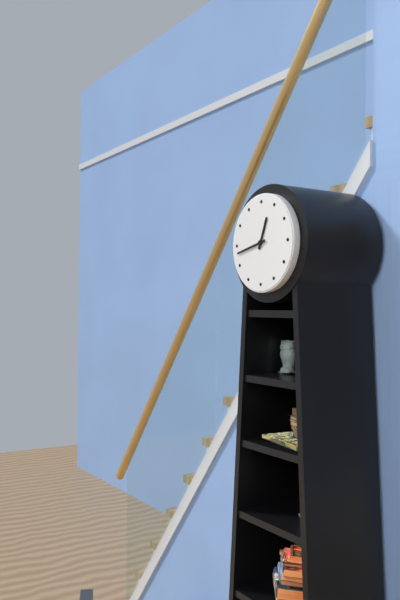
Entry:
12h43
